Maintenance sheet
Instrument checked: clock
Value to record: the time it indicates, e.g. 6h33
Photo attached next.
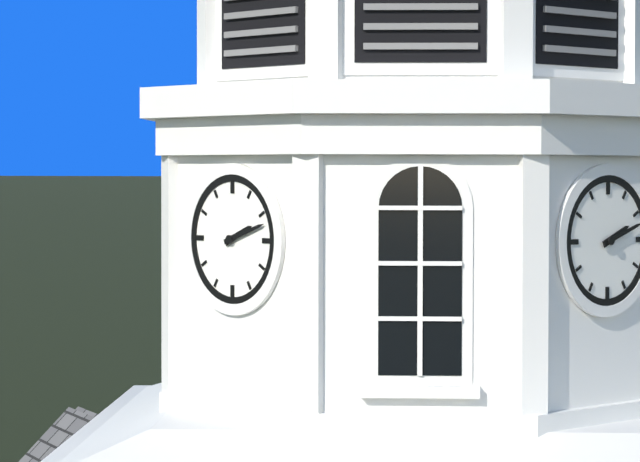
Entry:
2h12
